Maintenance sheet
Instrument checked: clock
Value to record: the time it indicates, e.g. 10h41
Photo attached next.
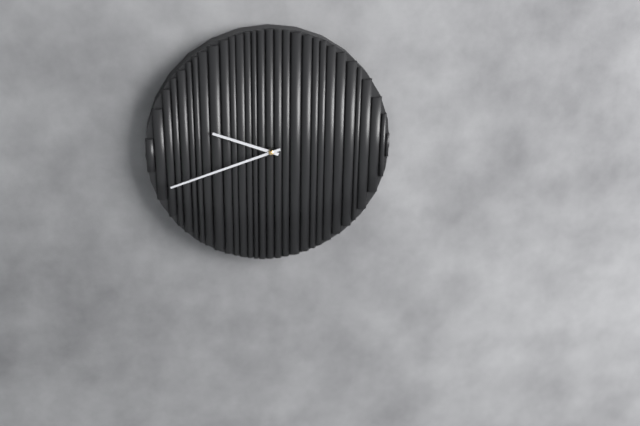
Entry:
9h42
